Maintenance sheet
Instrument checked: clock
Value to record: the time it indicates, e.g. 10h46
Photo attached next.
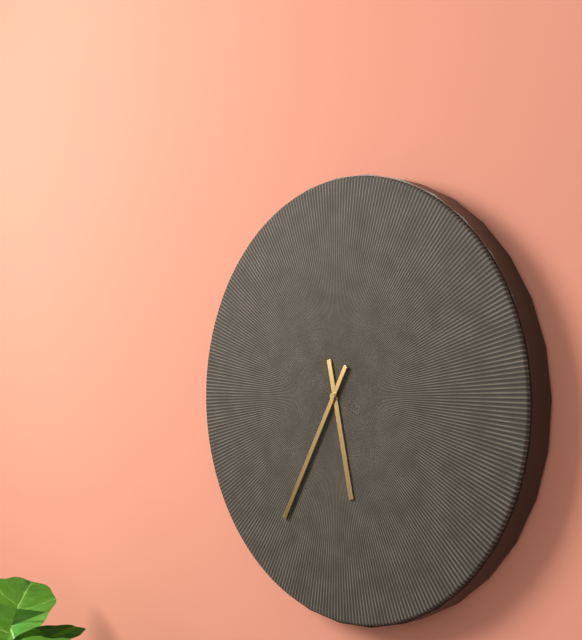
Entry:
5h35
